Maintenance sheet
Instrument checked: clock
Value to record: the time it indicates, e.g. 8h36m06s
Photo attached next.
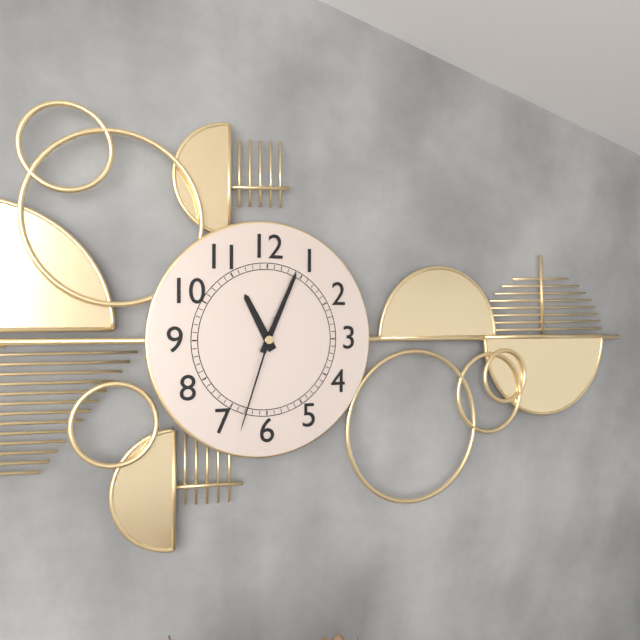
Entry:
11h04m33s
